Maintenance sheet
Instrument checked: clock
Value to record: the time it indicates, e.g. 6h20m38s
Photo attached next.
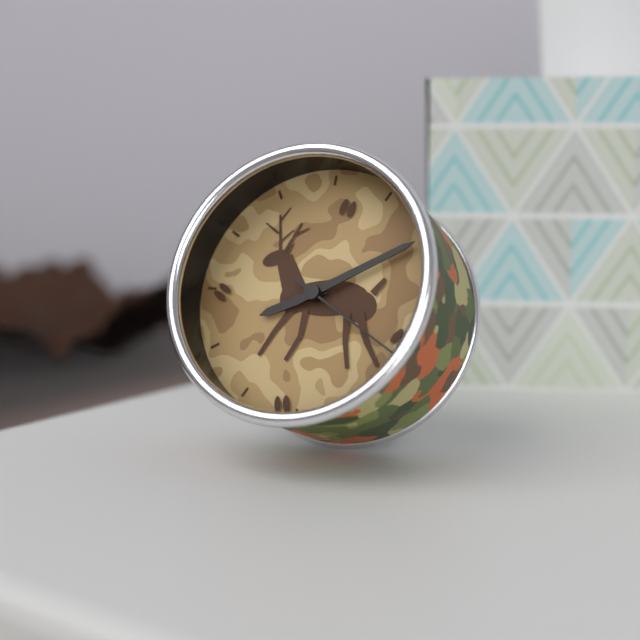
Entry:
8h10m20s
